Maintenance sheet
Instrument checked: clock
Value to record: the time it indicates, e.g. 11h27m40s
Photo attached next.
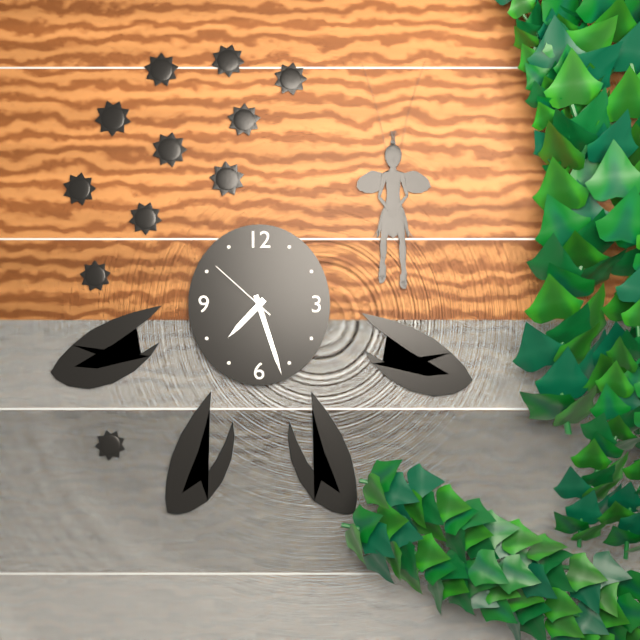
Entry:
7h27m52s
